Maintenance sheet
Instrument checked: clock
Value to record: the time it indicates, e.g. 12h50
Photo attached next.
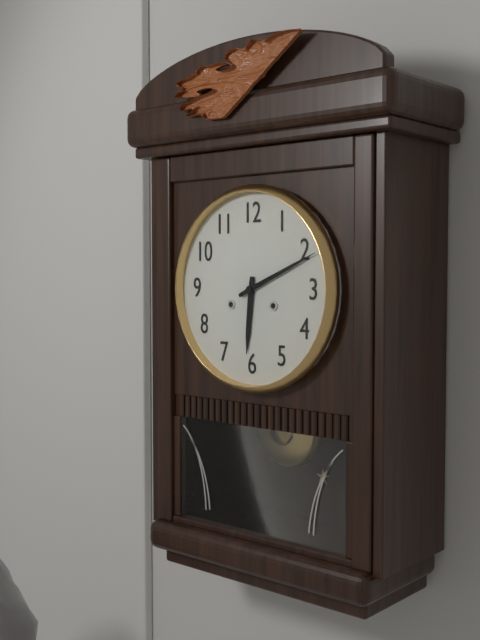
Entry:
6h11
